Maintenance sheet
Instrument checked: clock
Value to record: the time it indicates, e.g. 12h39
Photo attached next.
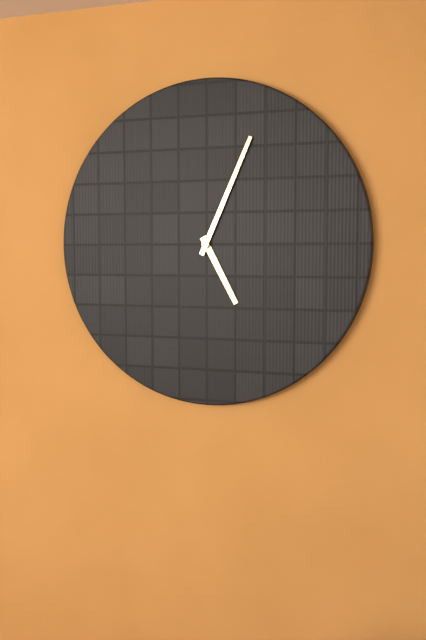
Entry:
5h04
